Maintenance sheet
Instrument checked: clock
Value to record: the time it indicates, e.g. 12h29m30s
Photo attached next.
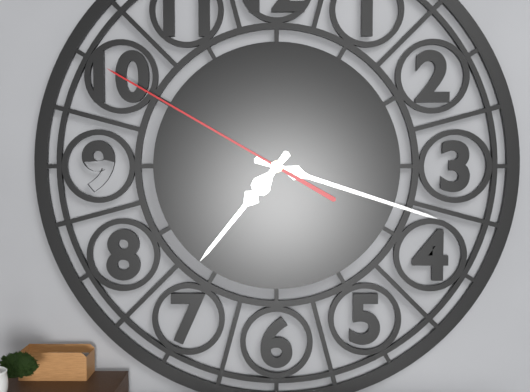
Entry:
7h18m50s
